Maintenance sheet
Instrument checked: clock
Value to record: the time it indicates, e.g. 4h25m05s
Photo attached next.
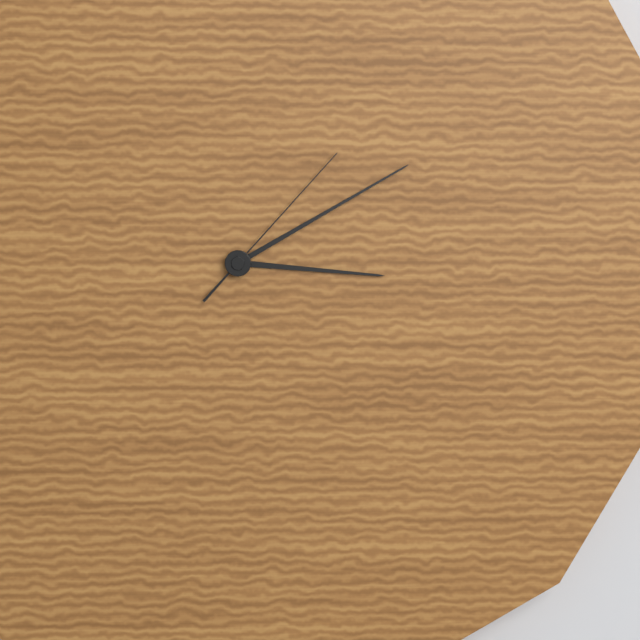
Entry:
3h10m07s
